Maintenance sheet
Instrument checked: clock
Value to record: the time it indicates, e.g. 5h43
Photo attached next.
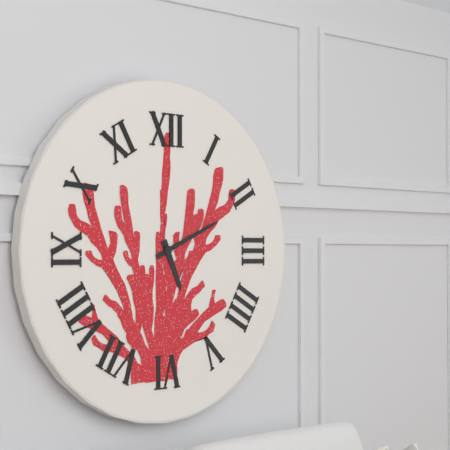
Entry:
5h11
